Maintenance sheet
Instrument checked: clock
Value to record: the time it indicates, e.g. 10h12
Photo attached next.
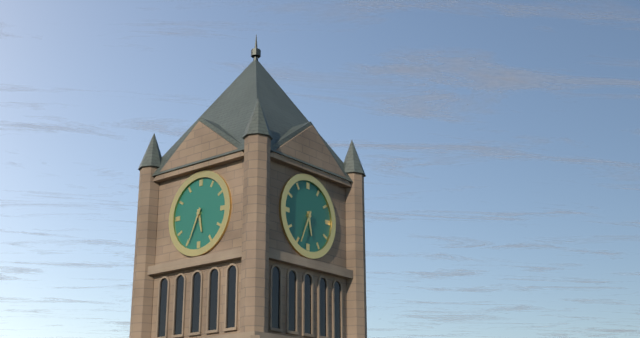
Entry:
5h34
